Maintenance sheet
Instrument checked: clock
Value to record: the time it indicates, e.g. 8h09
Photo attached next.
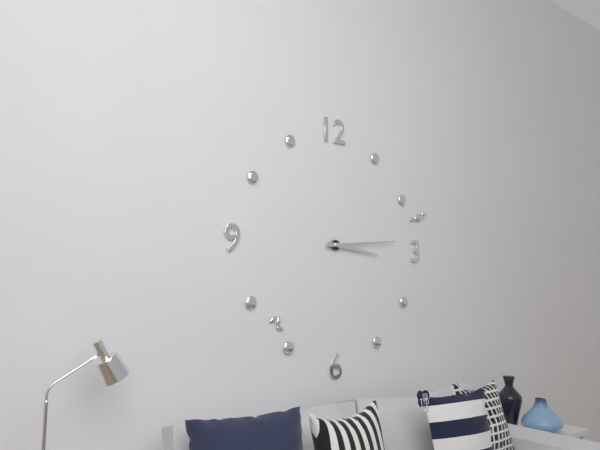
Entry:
3h14
